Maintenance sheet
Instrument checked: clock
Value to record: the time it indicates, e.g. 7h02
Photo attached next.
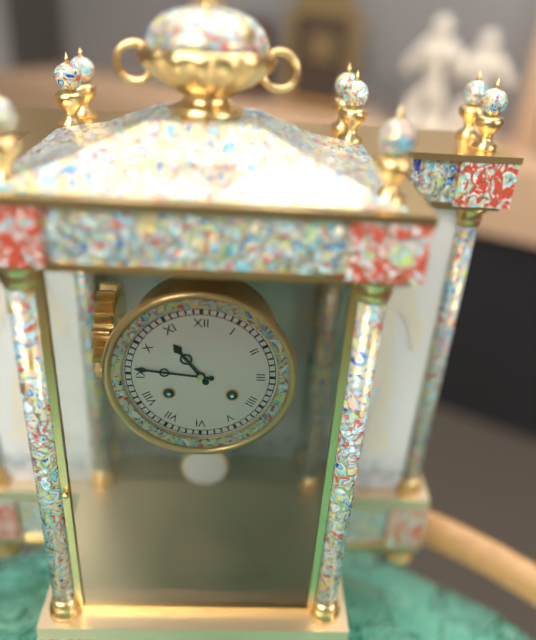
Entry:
10h46
